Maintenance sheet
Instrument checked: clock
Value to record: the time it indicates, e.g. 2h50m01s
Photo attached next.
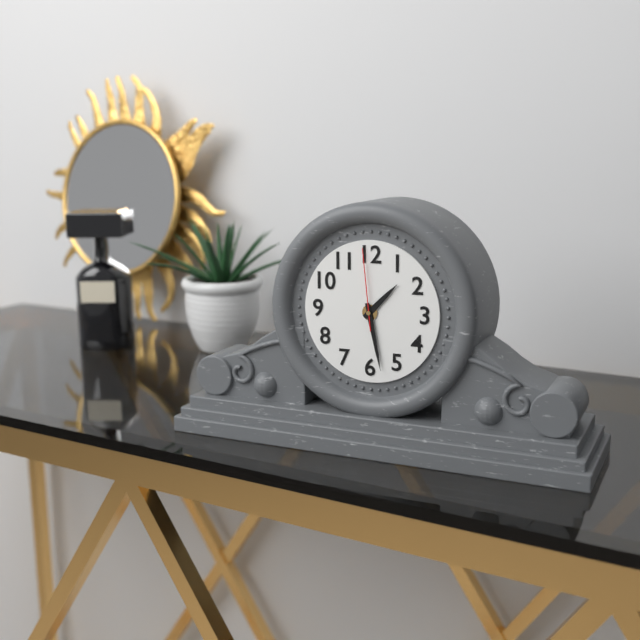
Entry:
1h28m59s
